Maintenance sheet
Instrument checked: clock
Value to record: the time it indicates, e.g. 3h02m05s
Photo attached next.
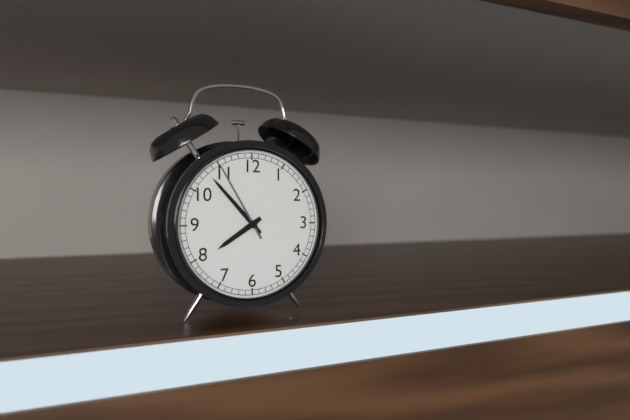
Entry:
7h53m55s
